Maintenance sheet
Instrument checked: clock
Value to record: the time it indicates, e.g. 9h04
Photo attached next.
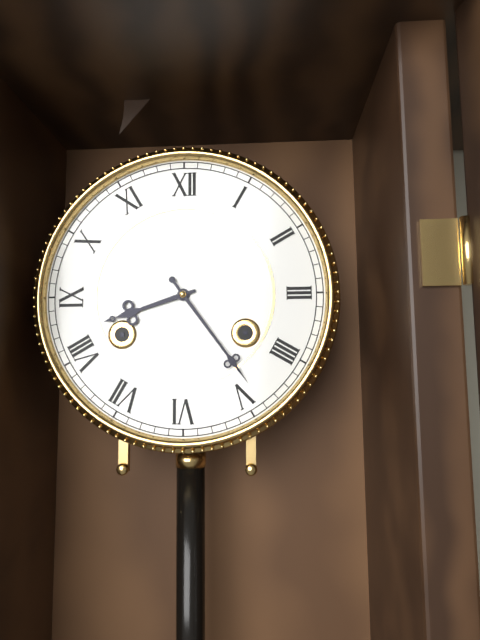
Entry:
8h24
